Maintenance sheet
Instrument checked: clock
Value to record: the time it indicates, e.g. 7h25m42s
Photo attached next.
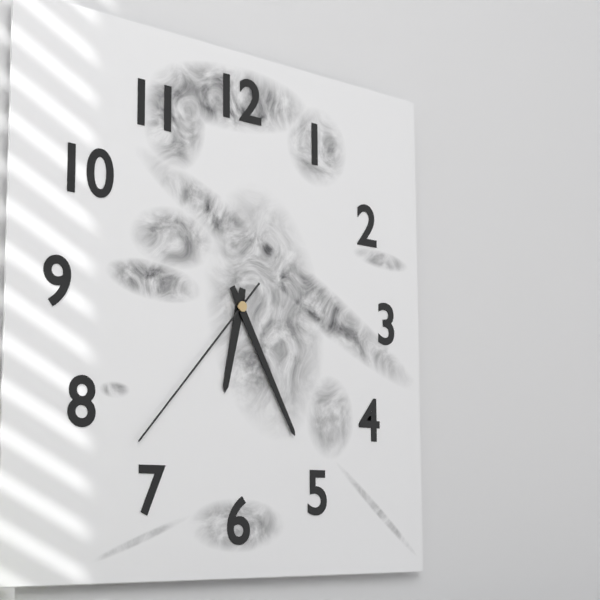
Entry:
6h25m37s
